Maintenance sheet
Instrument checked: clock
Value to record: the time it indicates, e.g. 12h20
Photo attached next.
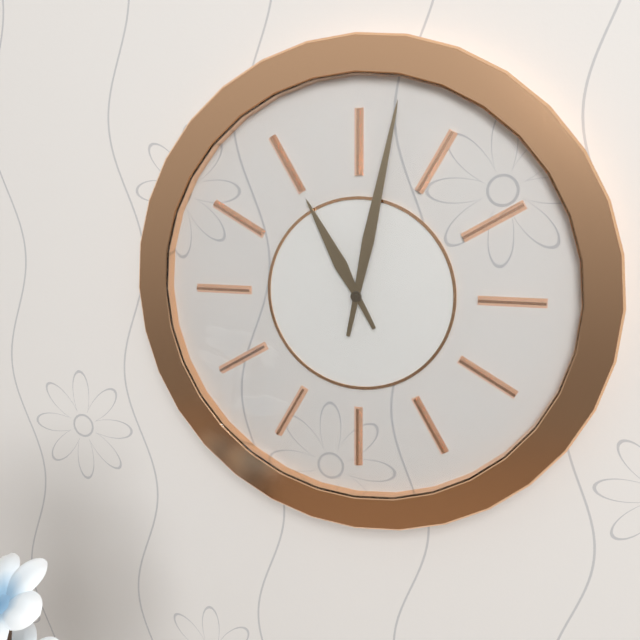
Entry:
11h02
